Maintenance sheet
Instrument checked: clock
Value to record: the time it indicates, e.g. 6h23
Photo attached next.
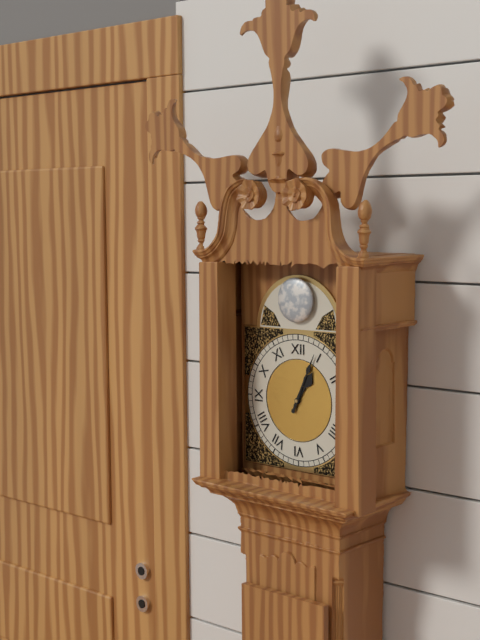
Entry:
1h04
